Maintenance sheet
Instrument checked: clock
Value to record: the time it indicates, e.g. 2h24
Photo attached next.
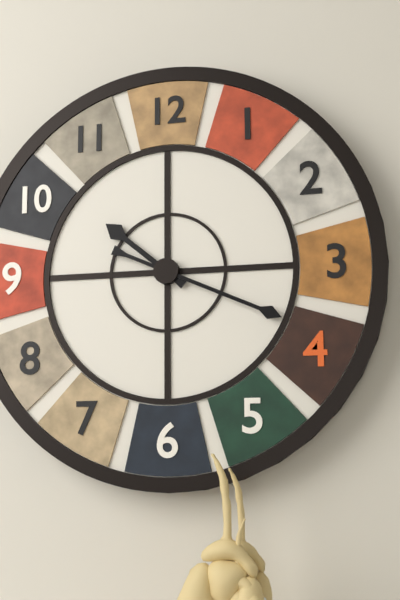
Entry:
10h19
